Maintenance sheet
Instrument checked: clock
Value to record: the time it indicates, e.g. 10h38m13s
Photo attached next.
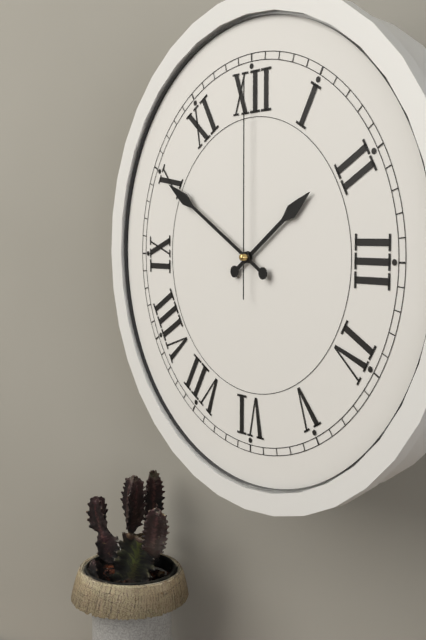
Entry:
1h50m00s
